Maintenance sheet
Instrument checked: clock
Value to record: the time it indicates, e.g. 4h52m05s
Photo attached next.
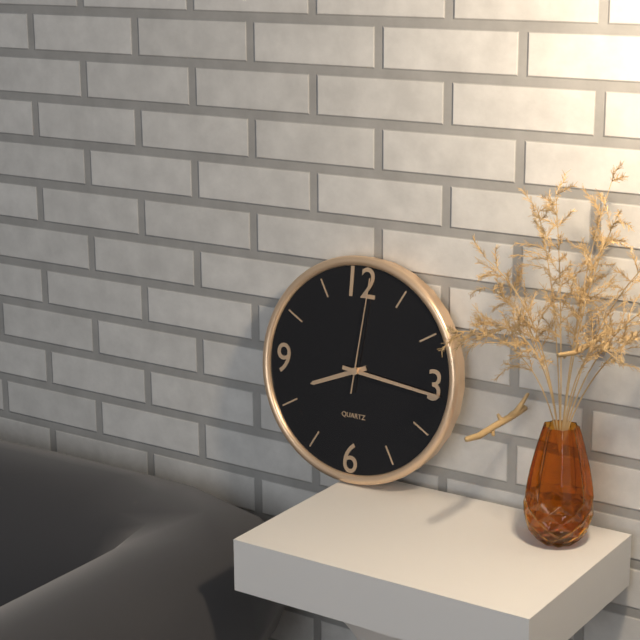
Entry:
8h16m01s
